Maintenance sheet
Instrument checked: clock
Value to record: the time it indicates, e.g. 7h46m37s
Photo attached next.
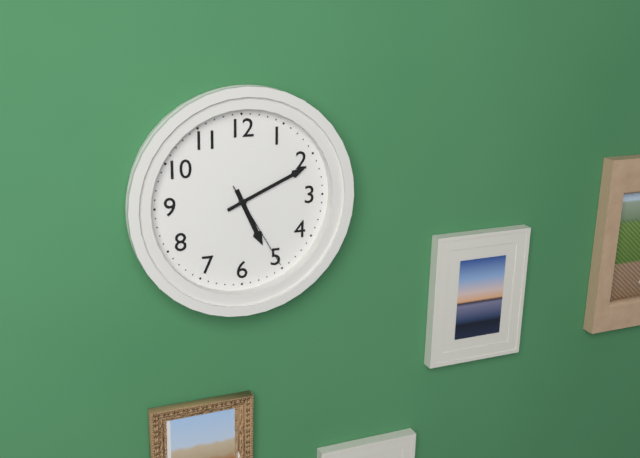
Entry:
5h11m25s
